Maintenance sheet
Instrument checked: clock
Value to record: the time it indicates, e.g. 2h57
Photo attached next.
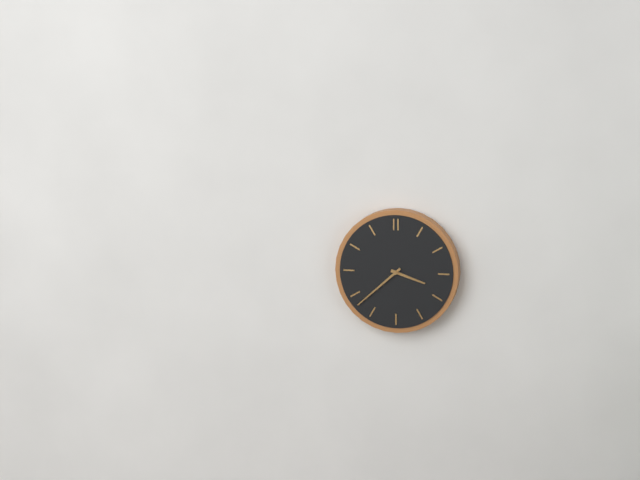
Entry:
3h38
